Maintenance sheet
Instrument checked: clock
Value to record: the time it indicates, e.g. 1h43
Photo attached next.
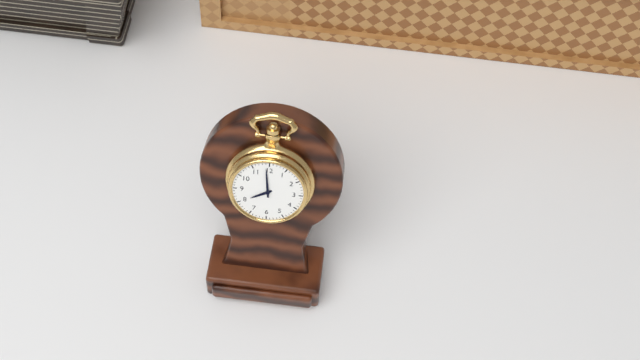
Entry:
7h59
